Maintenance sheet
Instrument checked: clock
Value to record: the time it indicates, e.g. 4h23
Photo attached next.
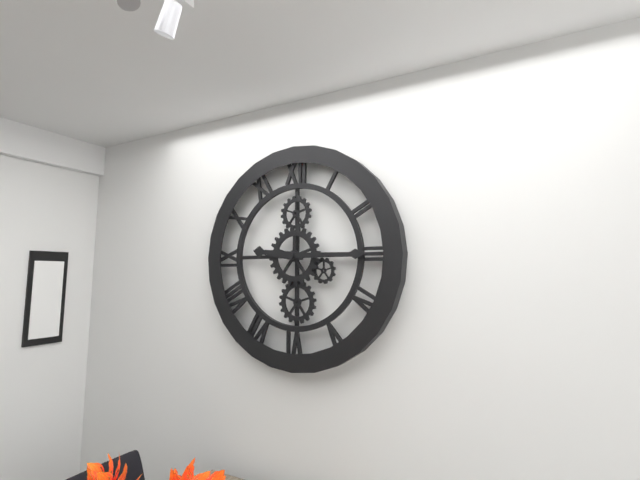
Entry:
9h15
